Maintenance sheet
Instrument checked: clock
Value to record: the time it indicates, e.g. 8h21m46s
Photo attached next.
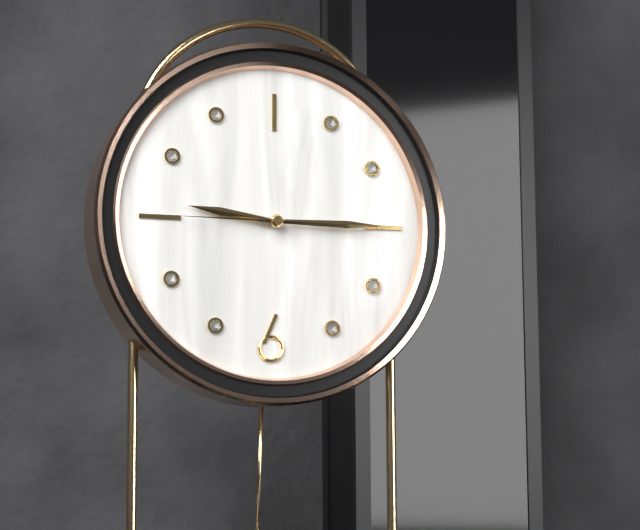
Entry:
9h15m45s
